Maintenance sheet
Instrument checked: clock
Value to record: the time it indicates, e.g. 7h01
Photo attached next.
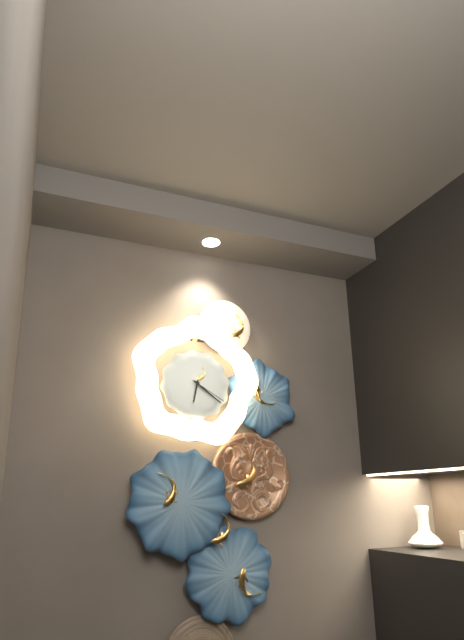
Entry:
6h21
